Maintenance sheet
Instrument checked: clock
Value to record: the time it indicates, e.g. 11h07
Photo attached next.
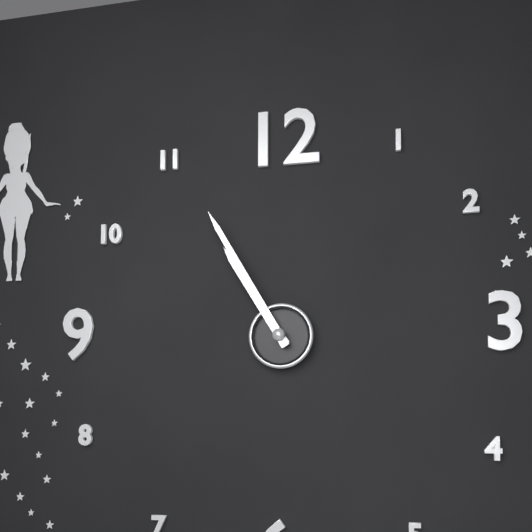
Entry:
10h55
